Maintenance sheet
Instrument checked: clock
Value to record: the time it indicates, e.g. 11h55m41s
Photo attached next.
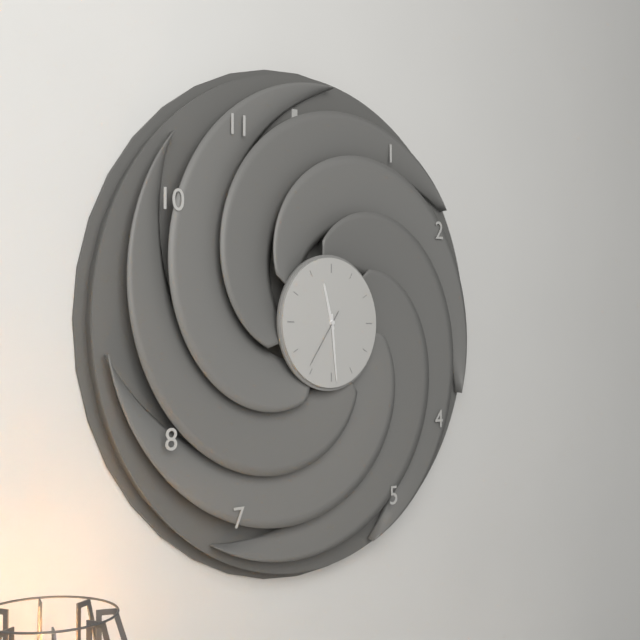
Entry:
11h29m36s
